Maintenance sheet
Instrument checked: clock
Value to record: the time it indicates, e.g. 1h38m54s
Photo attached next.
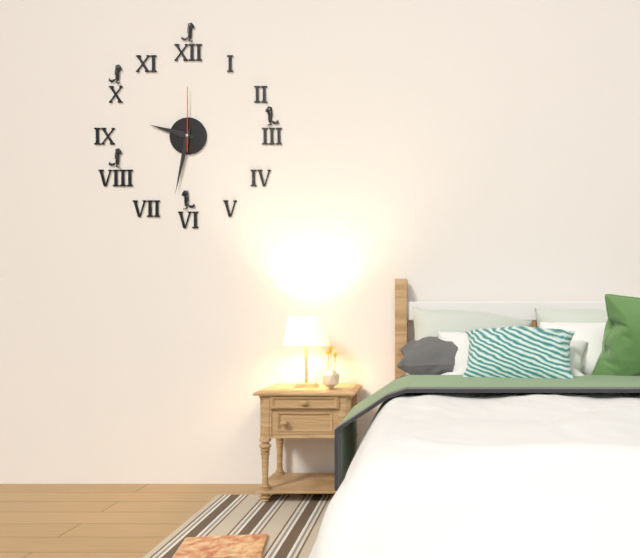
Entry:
9h32m00s
